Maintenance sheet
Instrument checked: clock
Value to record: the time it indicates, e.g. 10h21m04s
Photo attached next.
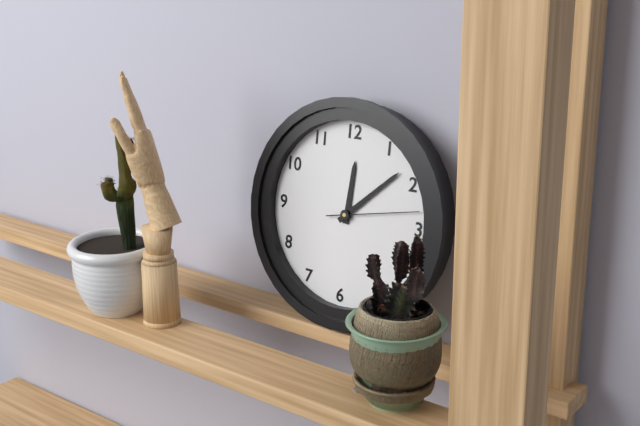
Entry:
12h08m13s
